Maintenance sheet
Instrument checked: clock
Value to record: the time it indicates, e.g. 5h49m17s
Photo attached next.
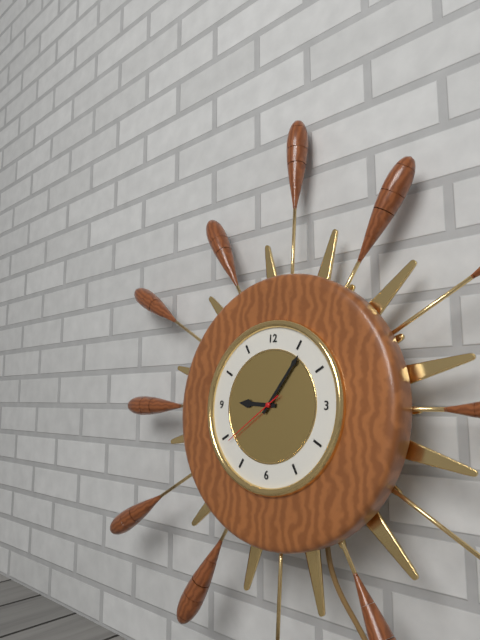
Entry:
9h06m39s
